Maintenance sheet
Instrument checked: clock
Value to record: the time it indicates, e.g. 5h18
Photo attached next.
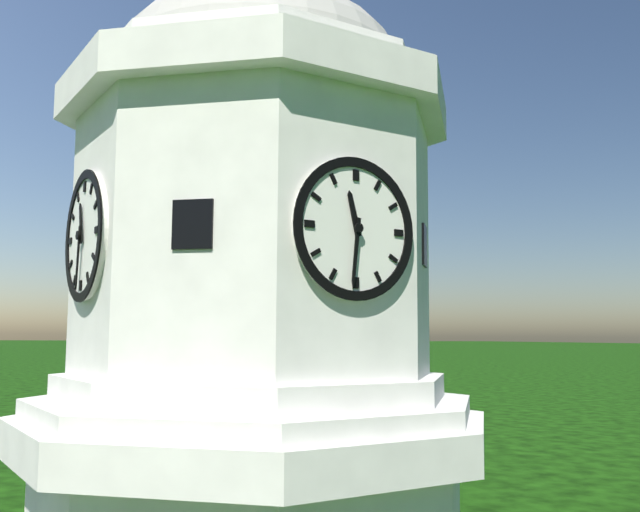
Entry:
11h31
